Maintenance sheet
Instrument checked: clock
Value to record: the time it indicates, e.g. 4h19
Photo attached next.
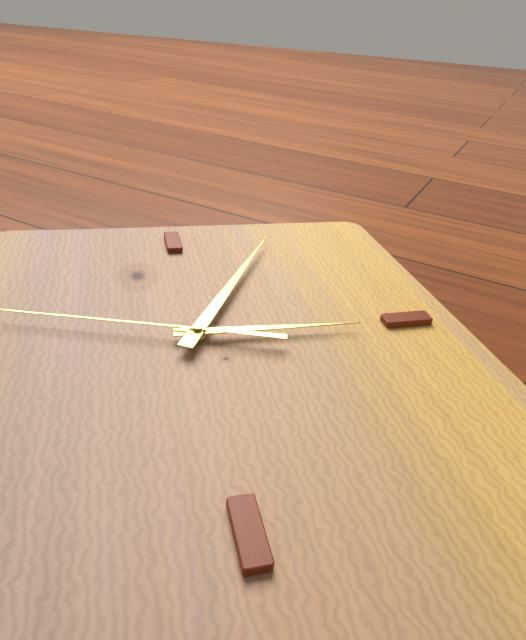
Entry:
3h05
